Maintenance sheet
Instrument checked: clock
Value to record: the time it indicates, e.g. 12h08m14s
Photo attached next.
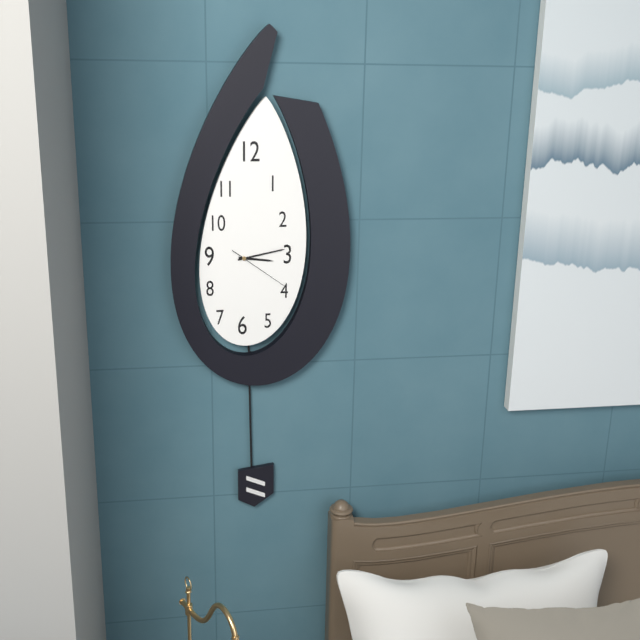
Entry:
3h13m21s
